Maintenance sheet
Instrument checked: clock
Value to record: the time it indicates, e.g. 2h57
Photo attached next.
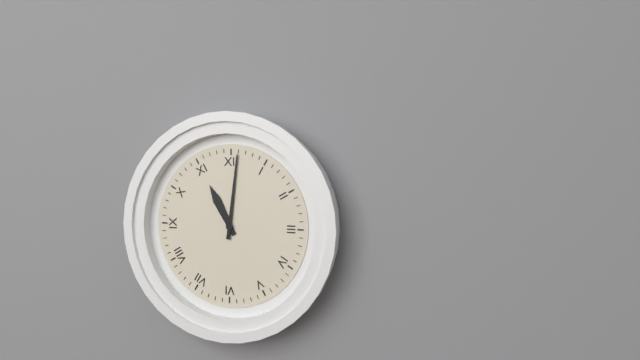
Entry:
11h01
